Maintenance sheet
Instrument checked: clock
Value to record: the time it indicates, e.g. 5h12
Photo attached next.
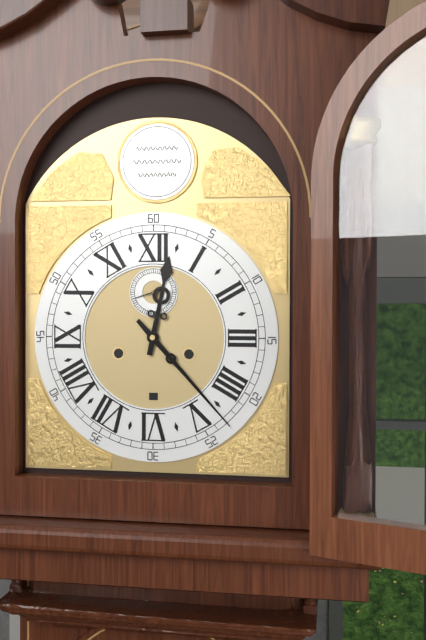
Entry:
12h23
